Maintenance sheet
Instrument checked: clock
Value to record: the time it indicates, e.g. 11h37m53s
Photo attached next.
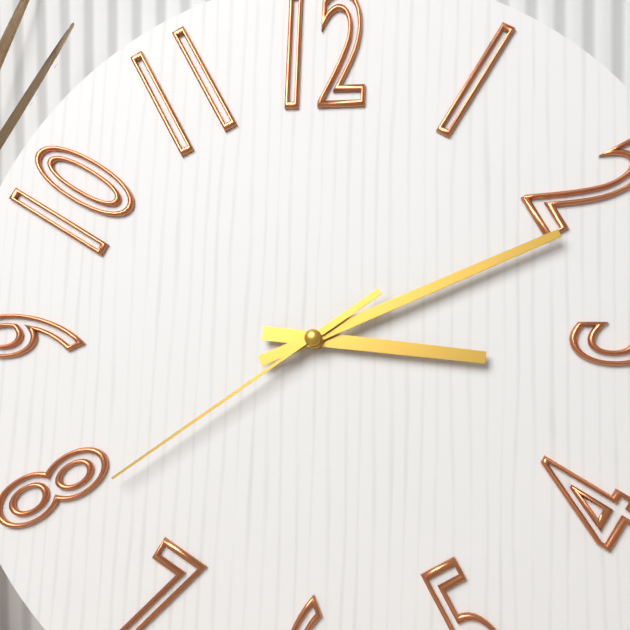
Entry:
3h11m39s
